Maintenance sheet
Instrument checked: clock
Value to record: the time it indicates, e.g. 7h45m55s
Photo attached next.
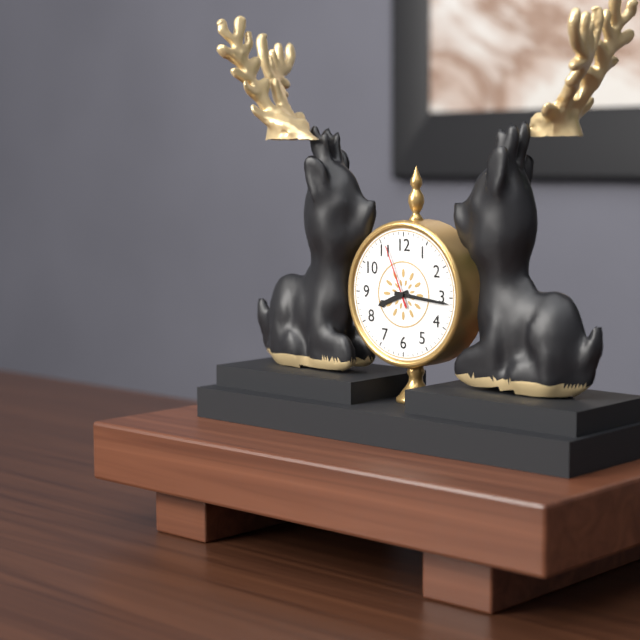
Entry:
8h16m56s
